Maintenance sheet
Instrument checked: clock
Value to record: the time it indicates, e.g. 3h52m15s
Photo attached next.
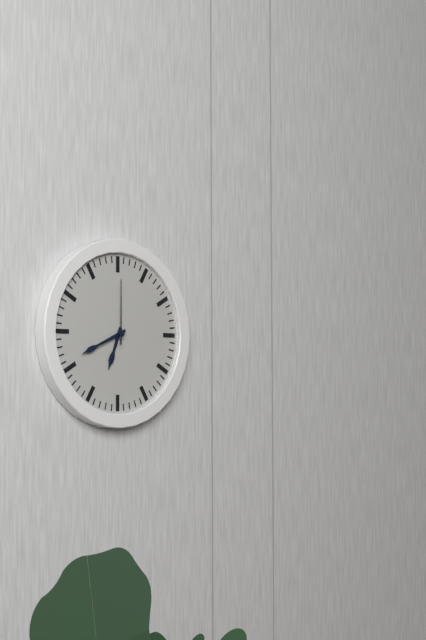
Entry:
6h41m00s
